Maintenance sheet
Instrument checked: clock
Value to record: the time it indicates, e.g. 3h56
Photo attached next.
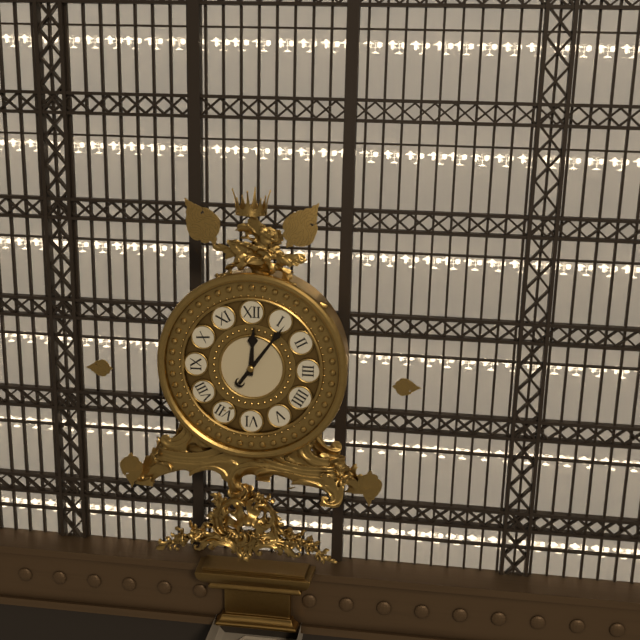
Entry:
12h06
